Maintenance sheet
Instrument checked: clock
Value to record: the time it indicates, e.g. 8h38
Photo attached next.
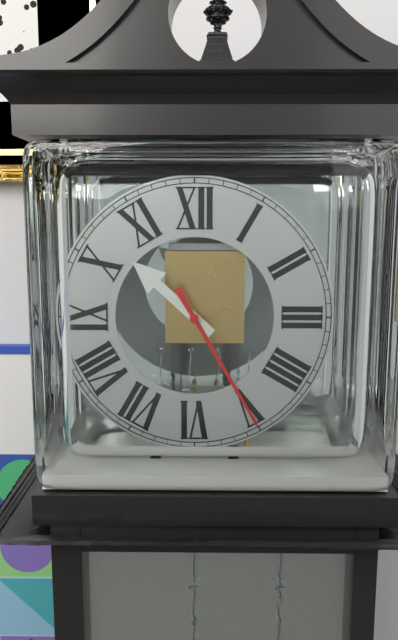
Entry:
10h25
